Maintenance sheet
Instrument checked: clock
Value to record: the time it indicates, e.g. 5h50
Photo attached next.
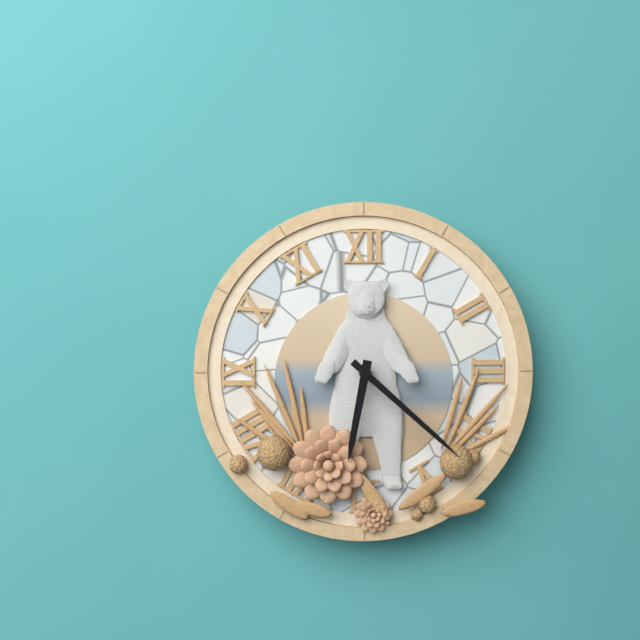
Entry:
6h22
